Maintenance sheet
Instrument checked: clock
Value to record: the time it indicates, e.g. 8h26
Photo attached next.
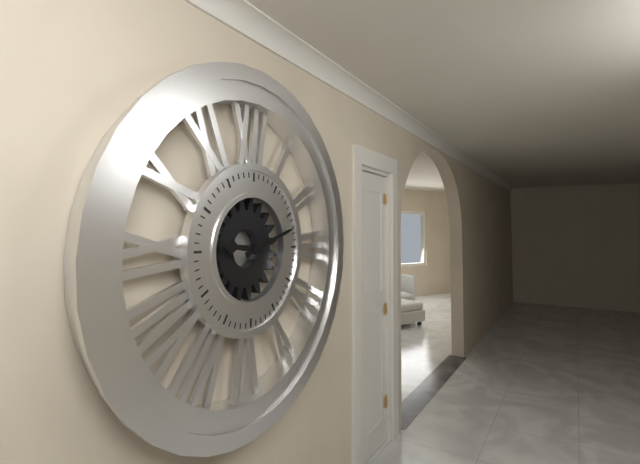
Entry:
9h12
